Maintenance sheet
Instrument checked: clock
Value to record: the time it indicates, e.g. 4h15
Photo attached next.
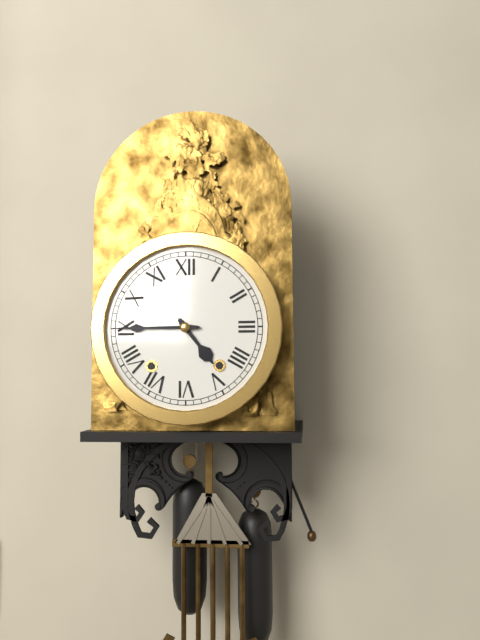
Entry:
4h45
